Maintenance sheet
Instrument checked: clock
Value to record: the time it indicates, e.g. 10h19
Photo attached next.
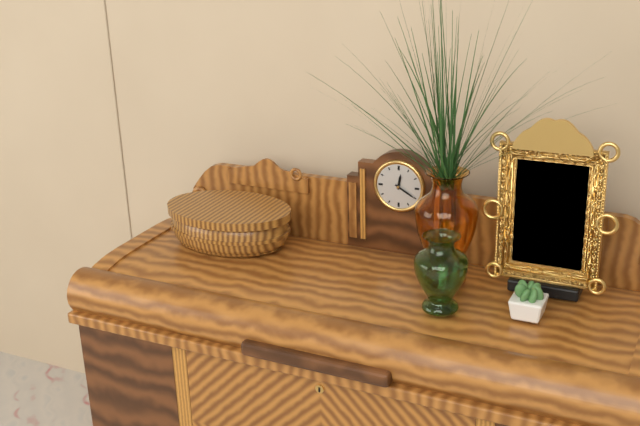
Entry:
12h20
